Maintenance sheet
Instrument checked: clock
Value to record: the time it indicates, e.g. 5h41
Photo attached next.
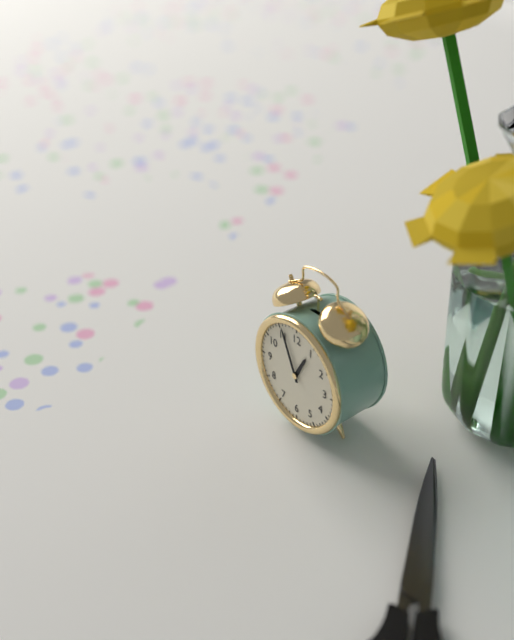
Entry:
12h56
